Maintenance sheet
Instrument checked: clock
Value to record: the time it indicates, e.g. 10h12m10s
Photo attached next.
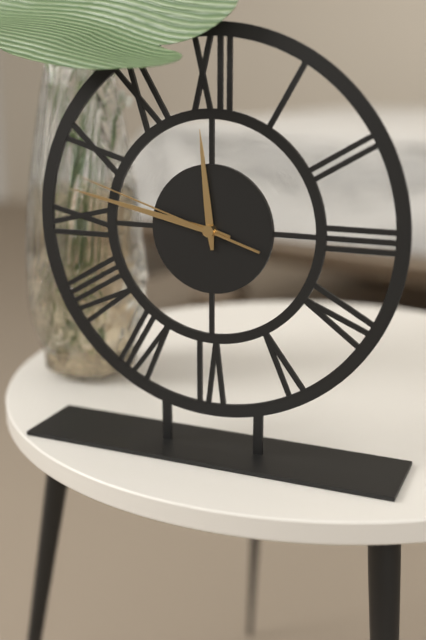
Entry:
11h47m48s
